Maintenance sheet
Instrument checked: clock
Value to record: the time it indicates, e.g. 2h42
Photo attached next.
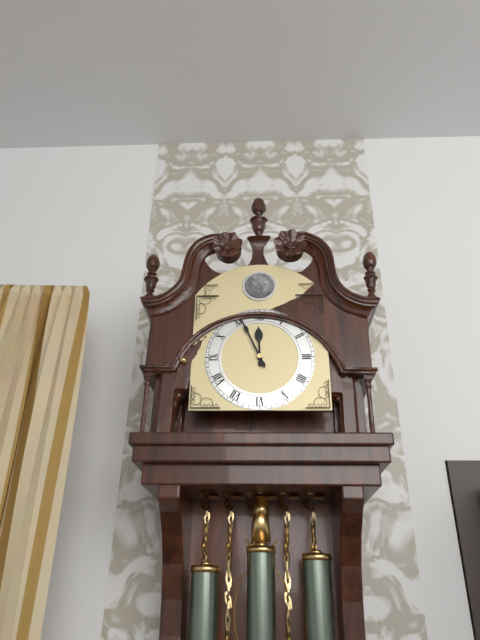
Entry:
11h56
